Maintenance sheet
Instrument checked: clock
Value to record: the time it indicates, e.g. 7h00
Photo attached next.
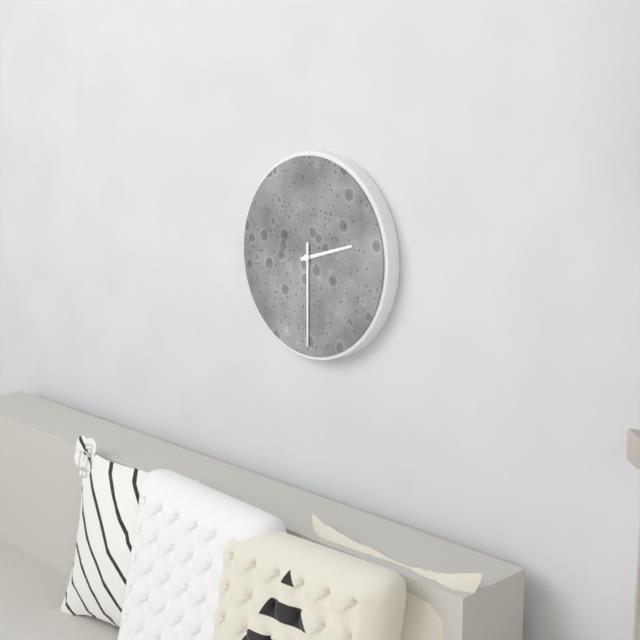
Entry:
2h30
